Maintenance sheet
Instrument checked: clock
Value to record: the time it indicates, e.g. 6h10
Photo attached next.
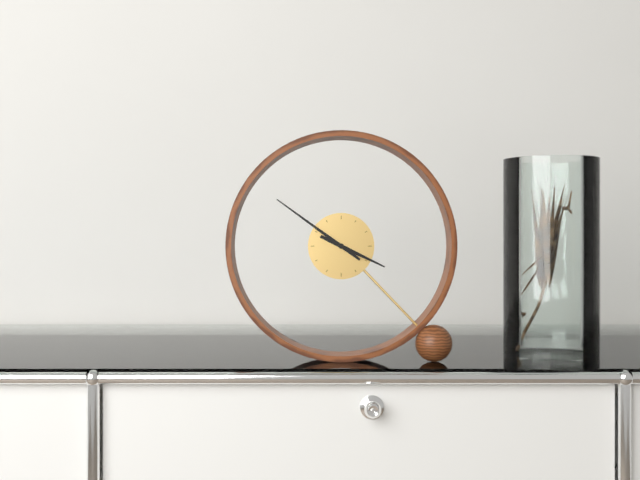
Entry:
3h51
